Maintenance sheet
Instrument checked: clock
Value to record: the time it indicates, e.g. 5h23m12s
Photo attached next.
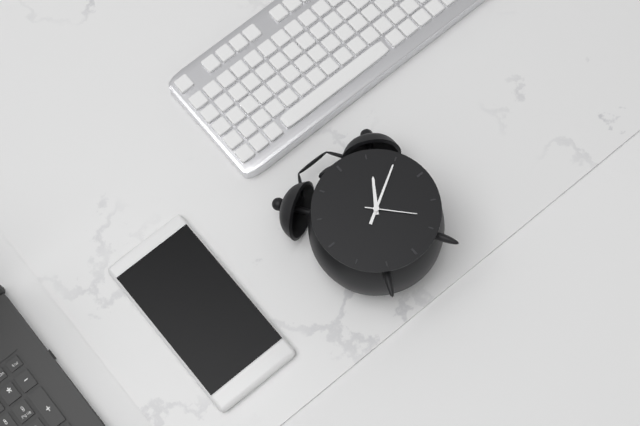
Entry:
1h10m23s
